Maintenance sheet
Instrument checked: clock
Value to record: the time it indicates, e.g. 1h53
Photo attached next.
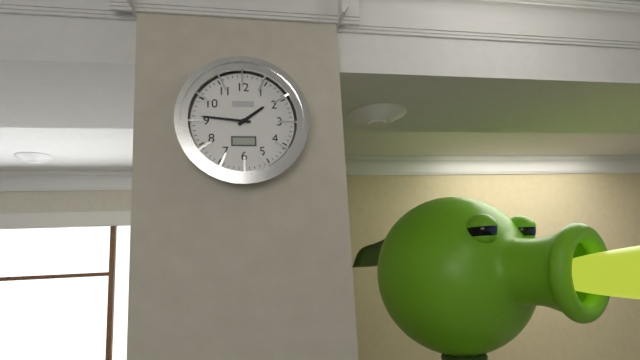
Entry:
1h46
